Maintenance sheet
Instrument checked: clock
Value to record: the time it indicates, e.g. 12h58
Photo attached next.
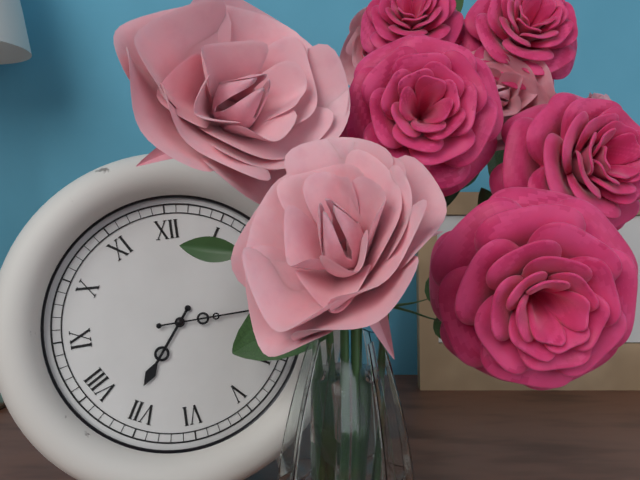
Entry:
7h15
